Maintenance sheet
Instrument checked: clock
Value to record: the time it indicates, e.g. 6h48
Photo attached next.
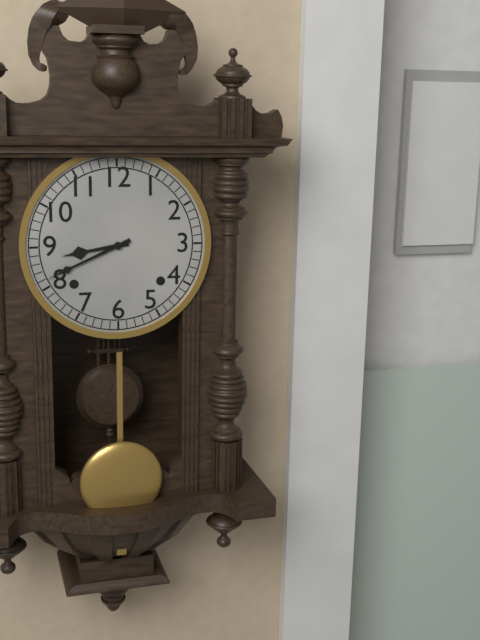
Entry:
8h41
